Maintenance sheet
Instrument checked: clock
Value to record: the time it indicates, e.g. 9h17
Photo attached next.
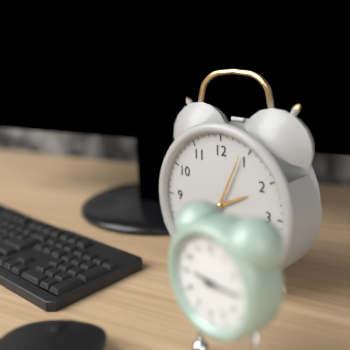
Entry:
2h04
